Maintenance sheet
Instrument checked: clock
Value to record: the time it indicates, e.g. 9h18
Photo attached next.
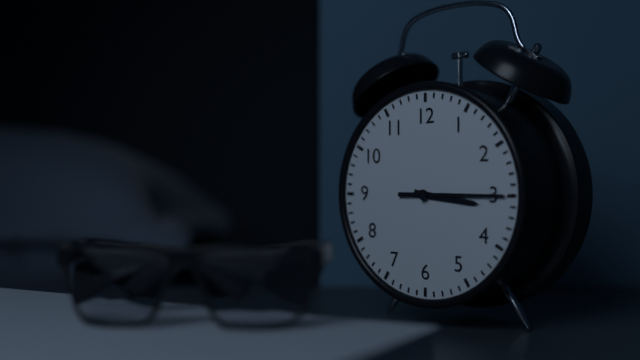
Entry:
3h15
